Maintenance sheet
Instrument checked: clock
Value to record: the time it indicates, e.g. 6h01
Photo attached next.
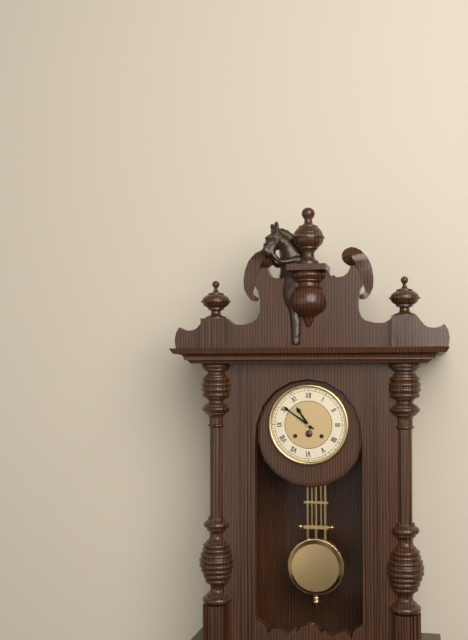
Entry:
10h51
